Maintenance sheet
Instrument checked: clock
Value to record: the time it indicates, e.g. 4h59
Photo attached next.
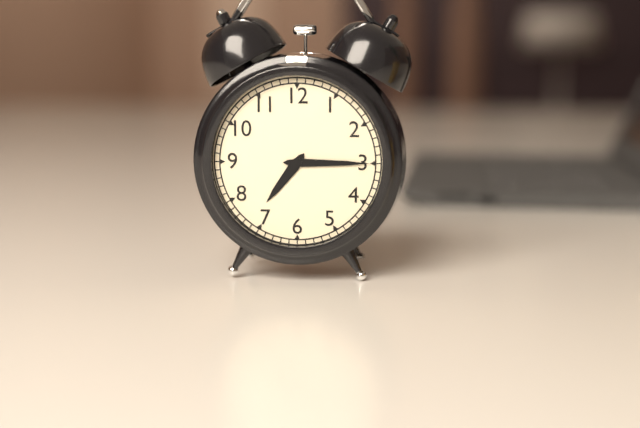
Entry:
7h15
